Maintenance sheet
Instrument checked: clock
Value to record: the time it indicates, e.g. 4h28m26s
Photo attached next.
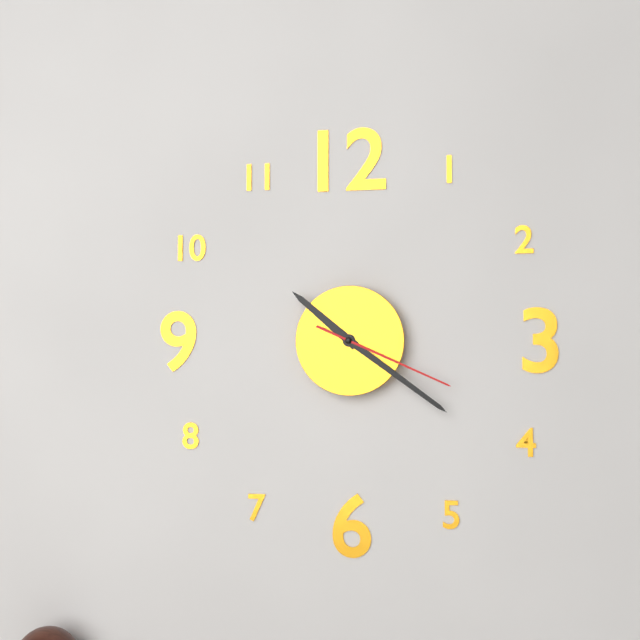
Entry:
10h21m19s
